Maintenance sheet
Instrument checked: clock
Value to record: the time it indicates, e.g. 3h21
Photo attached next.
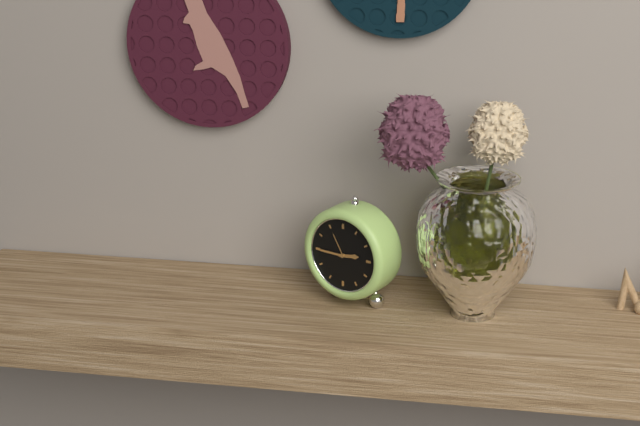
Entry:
2h45
